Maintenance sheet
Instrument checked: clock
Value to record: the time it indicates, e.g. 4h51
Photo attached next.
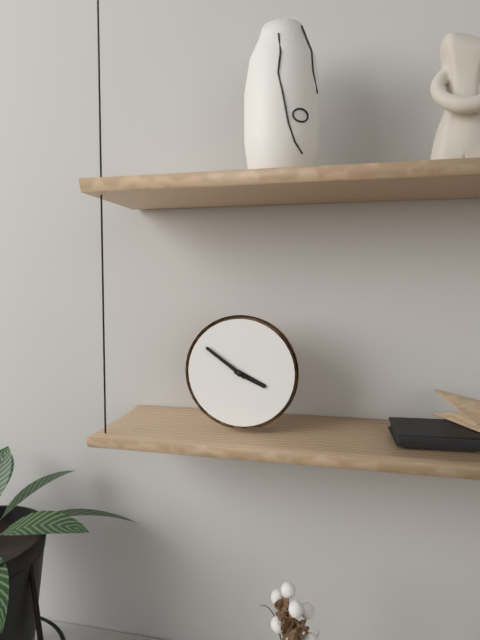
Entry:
3h51
